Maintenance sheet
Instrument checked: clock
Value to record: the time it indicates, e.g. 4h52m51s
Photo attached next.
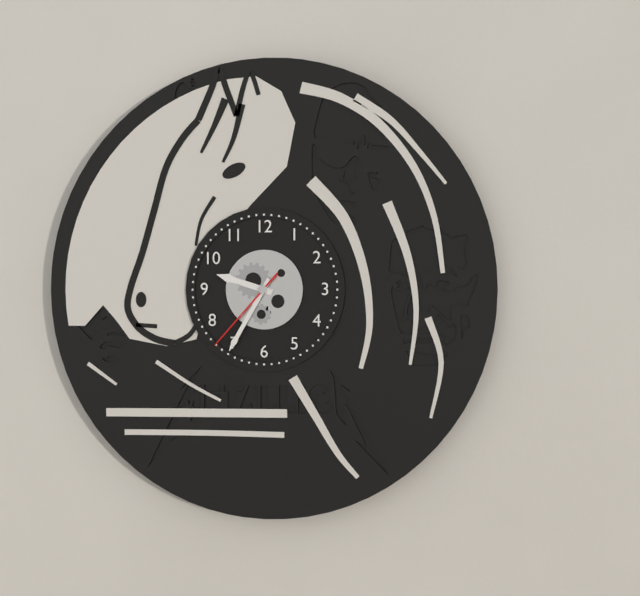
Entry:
9h35m37s
